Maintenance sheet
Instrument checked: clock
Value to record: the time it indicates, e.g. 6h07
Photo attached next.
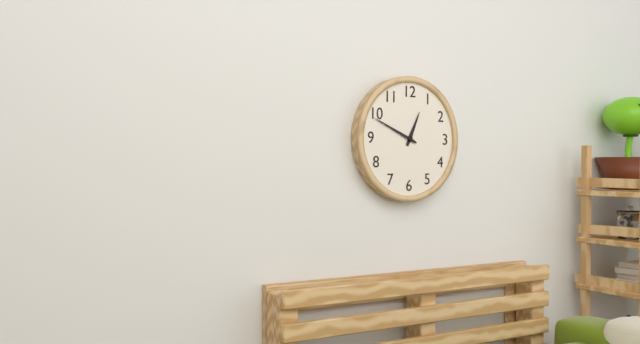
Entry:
12h49
